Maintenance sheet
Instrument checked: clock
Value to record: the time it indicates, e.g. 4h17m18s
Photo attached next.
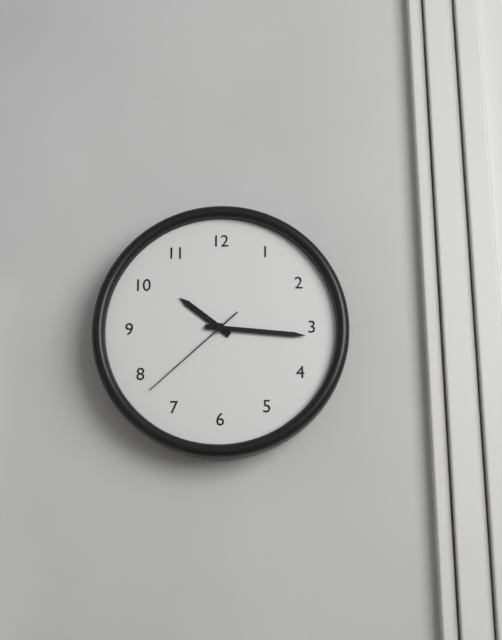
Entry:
10h16m38s
